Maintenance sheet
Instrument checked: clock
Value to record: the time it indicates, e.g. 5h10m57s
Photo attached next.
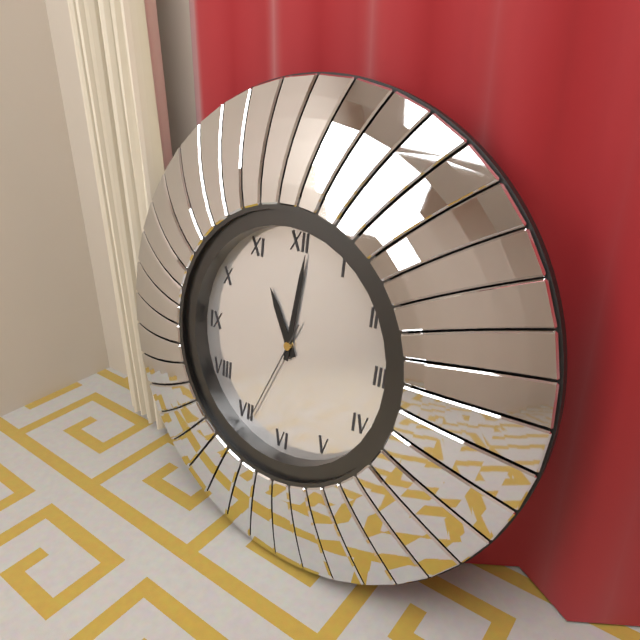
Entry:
11h01m34s
